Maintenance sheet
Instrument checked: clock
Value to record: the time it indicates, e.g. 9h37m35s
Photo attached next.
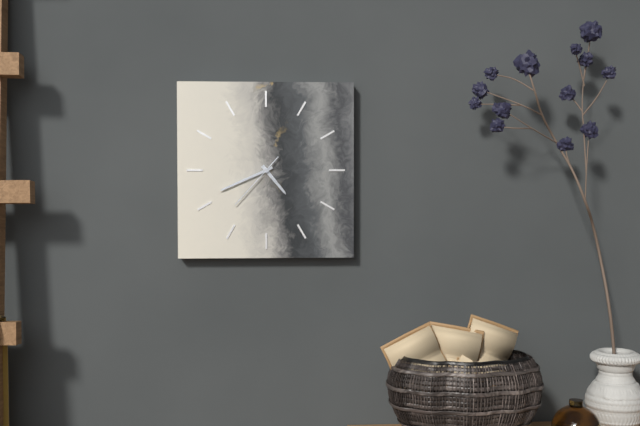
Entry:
4h41m37s
